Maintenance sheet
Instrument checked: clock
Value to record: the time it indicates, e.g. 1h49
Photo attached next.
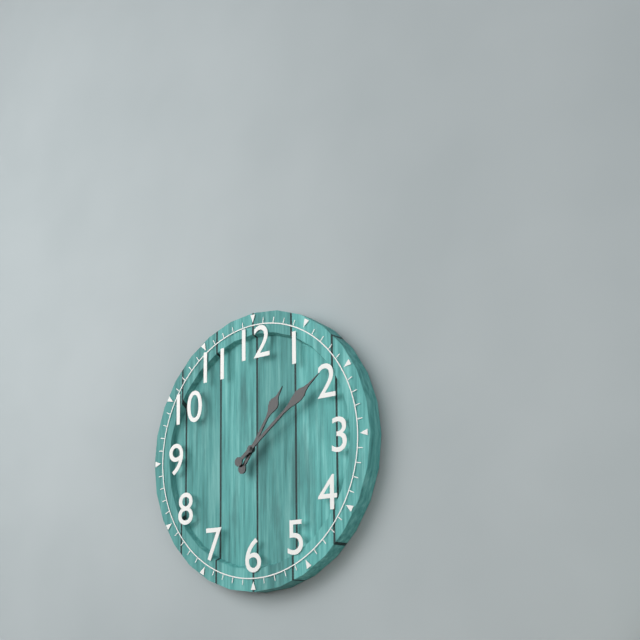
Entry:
1h09
